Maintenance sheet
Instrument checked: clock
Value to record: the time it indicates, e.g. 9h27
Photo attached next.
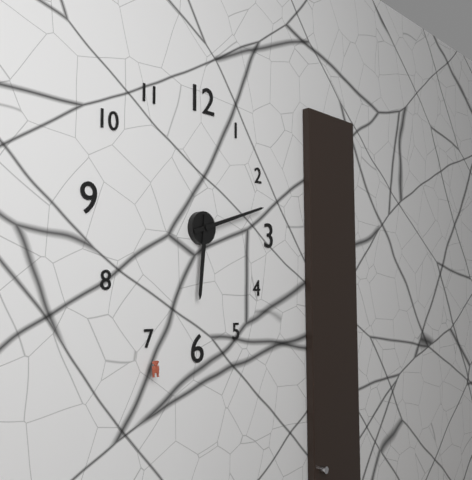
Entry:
6h12
